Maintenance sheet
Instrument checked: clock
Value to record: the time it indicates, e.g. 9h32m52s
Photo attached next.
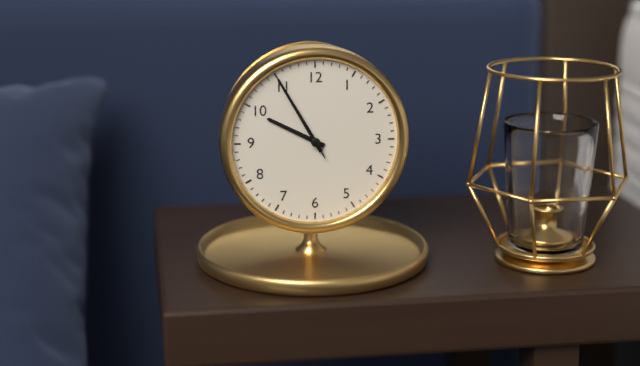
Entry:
9h55m55s
